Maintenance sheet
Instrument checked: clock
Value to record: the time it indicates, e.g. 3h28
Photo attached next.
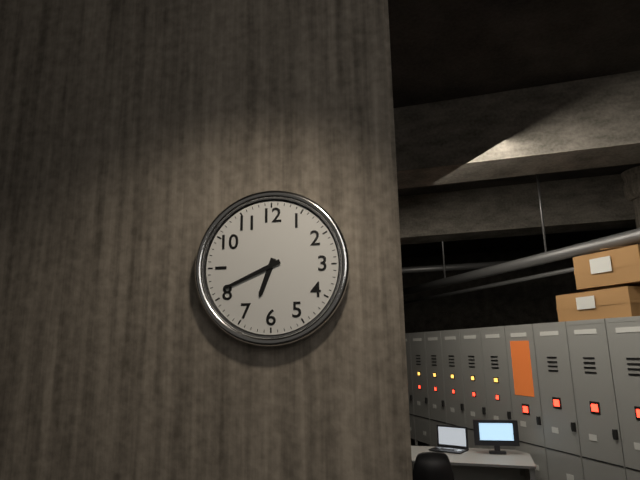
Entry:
6h41
